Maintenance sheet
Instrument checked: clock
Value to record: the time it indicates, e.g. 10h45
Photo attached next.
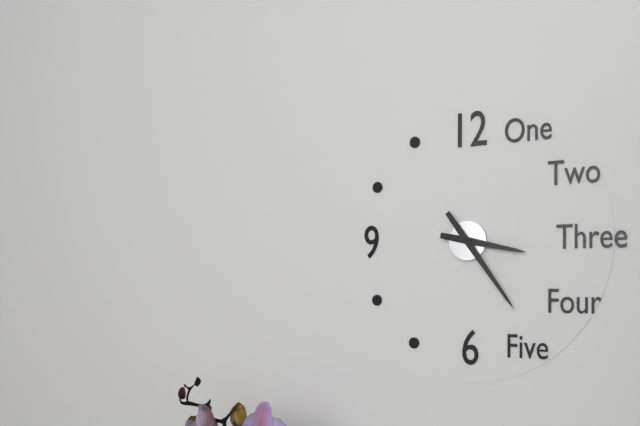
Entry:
3h24
